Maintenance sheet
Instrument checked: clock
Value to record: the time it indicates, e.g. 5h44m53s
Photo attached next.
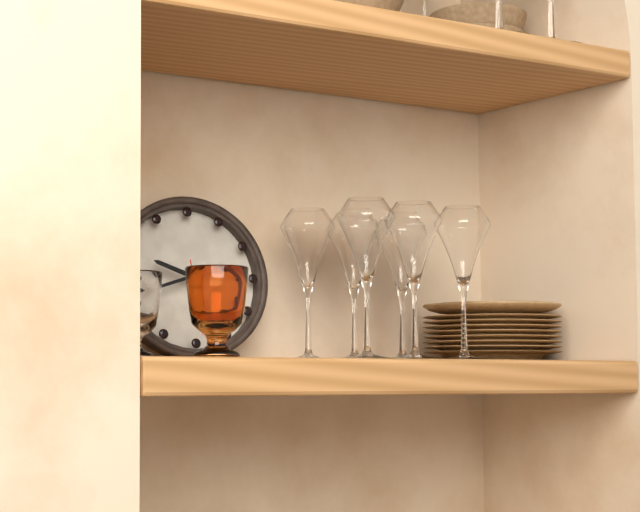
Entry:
9h42m29s
